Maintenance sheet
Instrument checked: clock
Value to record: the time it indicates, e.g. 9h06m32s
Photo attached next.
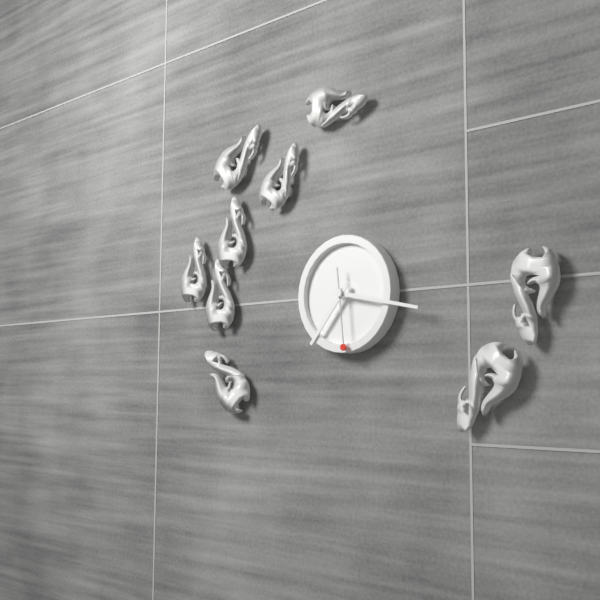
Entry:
7h17m29s
